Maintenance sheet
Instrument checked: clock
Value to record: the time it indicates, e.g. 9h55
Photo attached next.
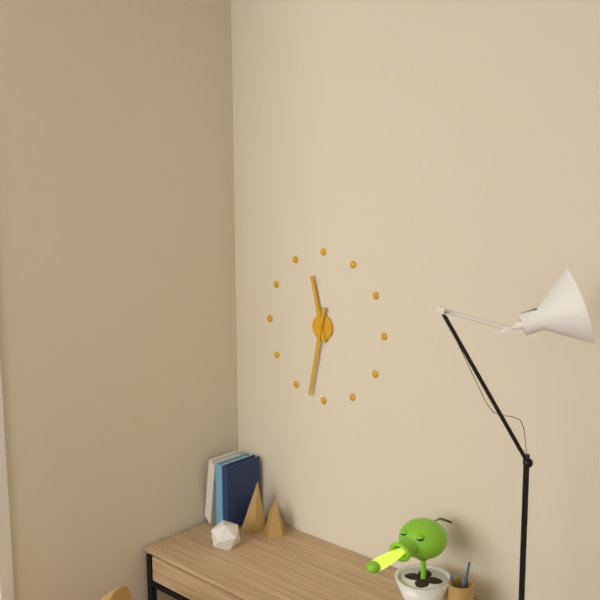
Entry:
11h32
